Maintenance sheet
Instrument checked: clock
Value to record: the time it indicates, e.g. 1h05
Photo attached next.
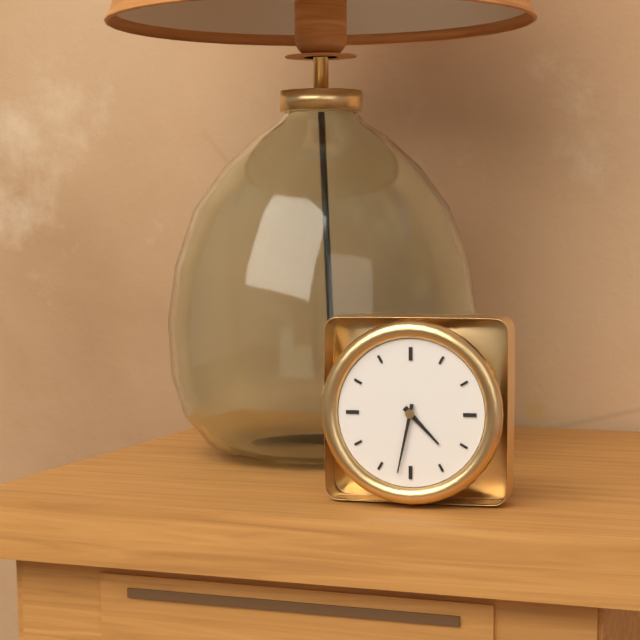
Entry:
4h32
